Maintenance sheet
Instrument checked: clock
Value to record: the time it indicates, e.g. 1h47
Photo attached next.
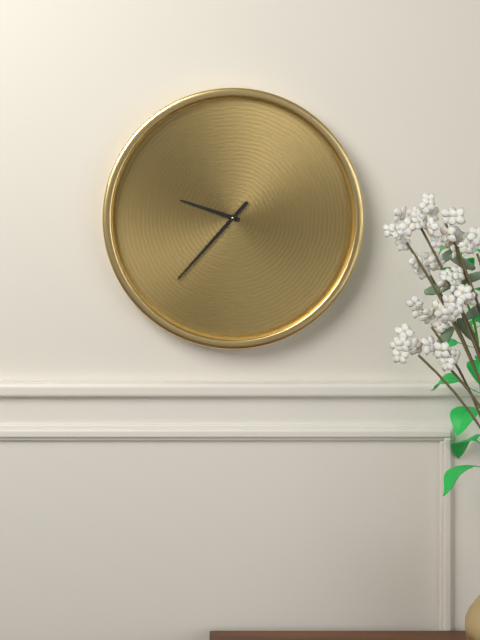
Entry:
9h37
